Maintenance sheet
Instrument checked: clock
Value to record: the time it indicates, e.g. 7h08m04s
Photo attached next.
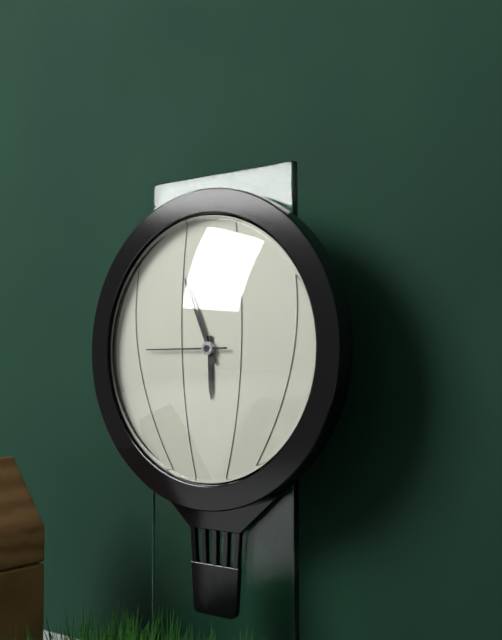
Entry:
5h56m45s
